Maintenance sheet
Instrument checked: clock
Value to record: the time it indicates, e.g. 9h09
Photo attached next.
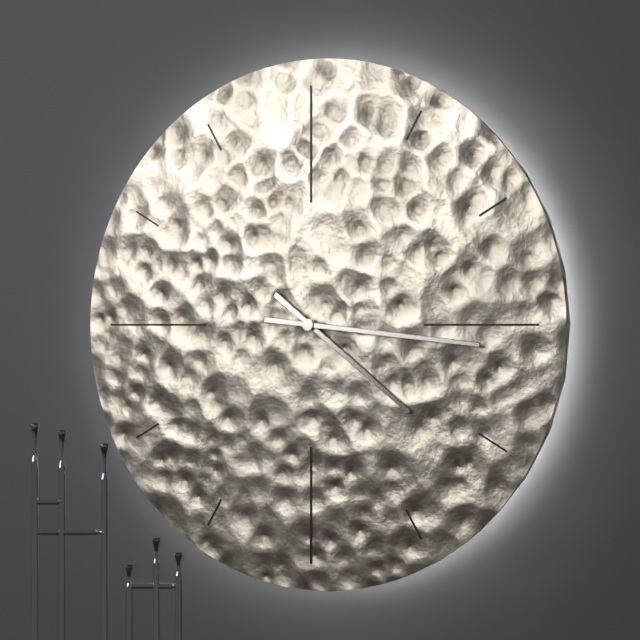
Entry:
4h16
